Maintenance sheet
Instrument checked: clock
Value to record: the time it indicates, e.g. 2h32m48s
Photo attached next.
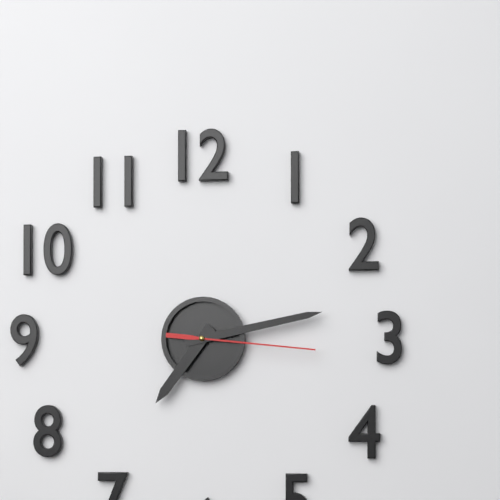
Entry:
7h13m16s
